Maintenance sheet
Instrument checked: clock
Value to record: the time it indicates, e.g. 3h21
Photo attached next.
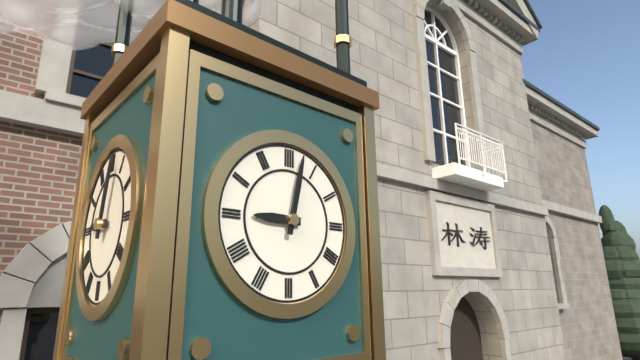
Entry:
9h02
